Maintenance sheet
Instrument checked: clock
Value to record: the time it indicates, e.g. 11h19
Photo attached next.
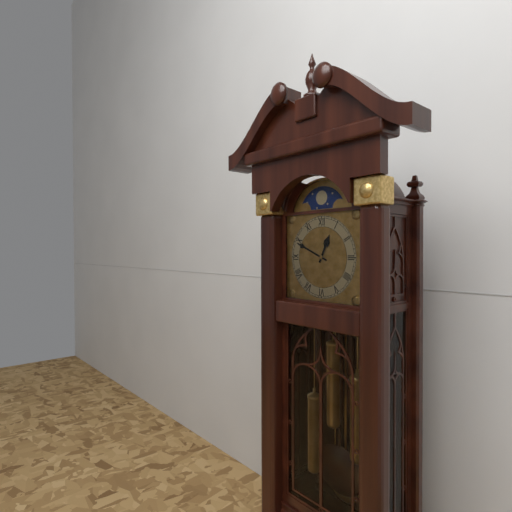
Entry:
12h49
